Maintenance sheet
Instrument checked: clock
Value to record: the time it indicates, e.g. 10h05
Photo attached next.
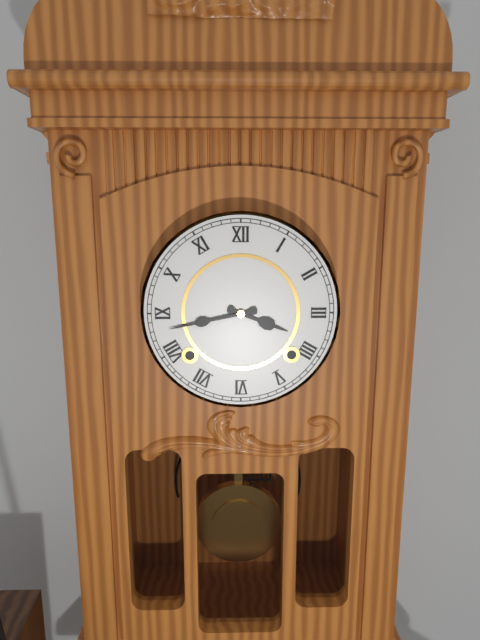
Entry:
3h43
